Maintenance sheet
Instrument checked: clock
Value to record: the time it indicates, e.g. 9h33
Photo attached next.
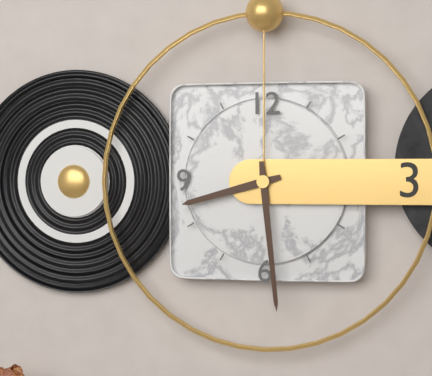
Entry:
8h29
